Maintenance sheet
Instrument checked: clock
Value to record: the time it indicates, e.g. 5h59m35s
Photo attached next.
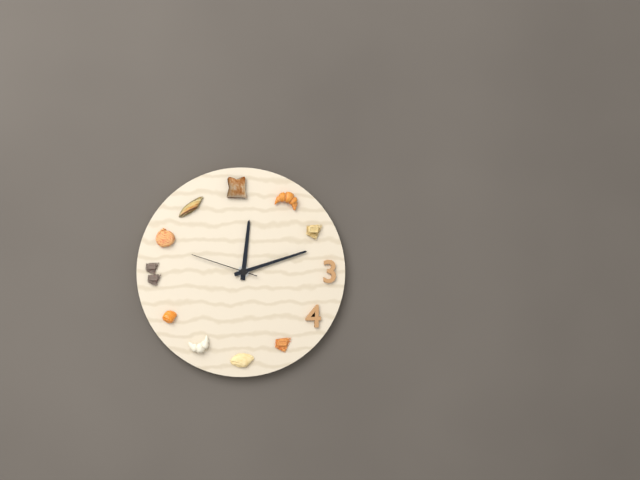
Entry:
12h12m48s
